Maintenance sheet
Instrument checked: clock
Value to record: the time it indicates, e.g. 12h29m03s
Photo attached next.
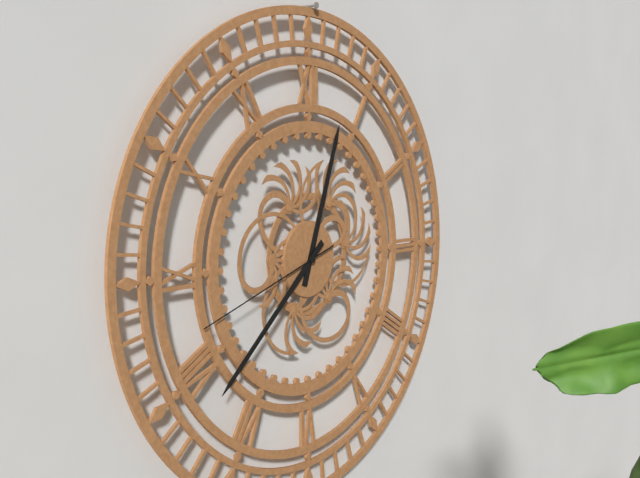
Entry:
12h38m42s
